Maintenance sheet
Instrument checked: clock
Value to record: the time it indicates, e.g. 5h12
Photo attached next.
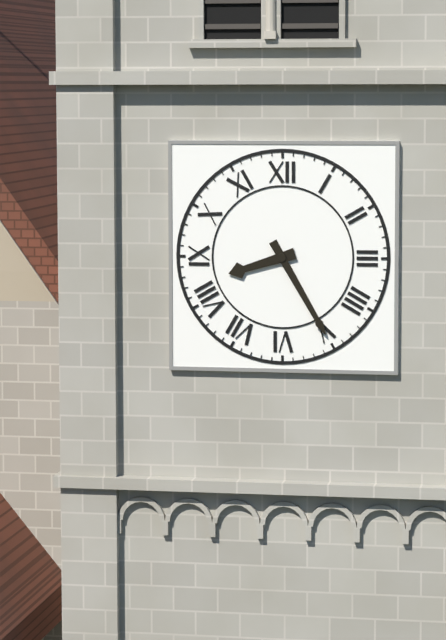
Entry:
8h25
